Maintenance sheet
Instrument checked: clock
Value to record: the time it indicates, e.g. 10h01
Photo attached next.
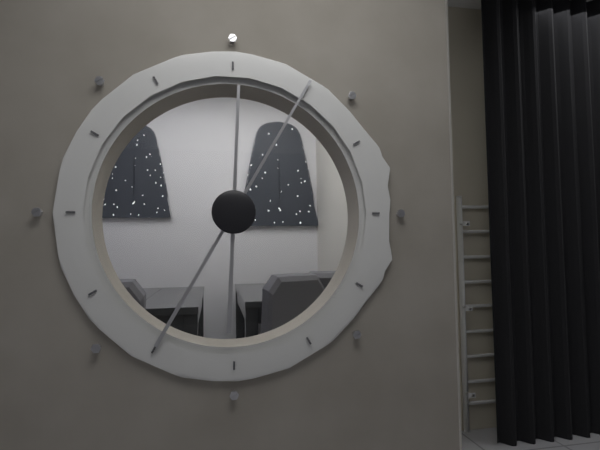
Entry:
12h05
